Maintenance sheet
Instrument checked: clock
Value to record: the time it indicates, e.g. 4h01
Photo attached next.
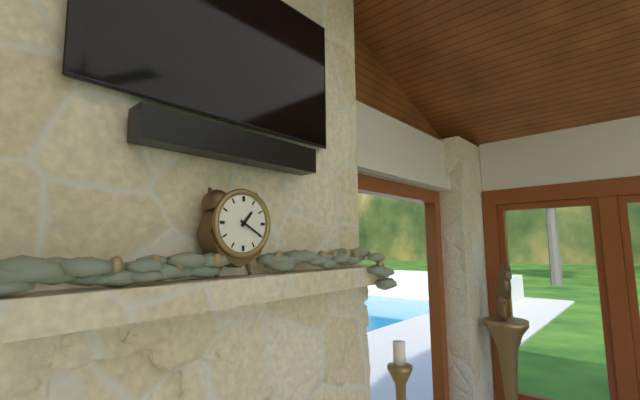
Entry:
1h20
